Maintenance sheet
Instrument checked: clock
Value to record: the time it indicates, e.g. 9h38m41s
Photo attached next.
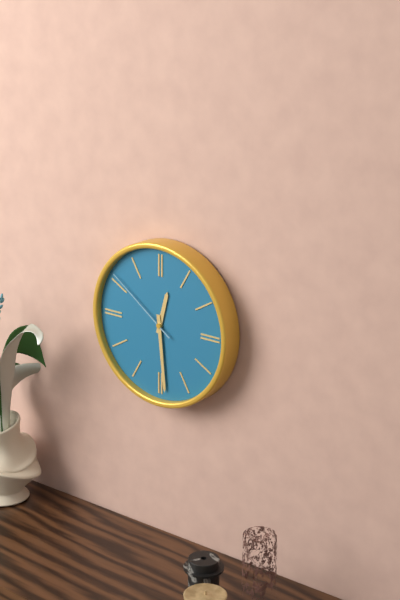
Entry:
12h29m51s
